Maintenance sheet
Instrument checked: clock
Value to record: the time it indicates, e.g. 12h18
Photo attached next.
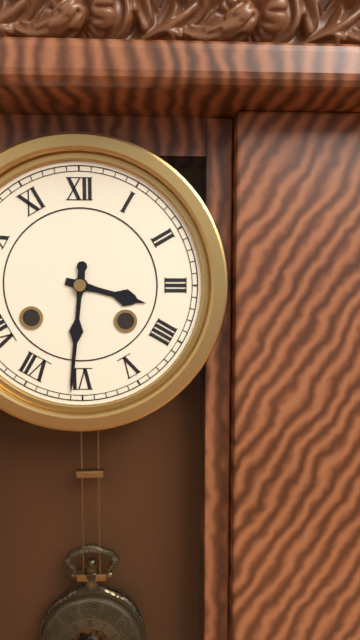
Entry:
3h31
